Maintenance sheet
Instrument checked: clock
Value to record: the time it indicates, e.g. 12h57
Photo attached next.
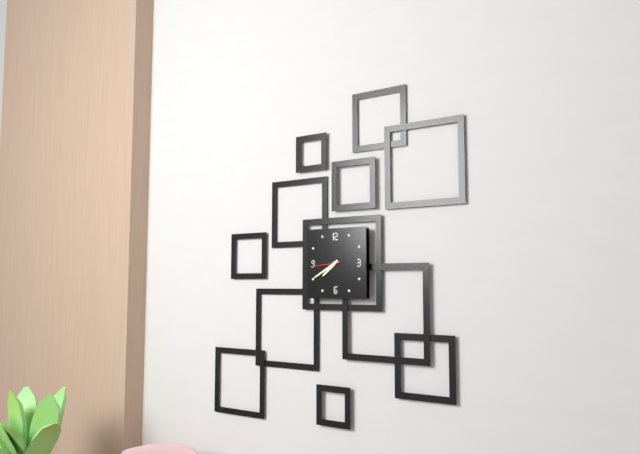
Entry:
7h40
